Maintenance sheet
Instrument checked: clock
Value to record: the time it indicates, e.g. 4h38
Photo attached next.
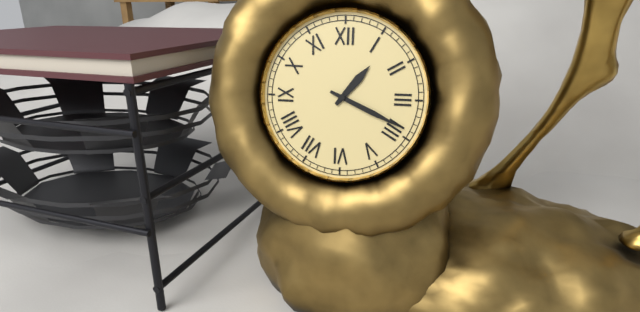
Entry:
1h19
